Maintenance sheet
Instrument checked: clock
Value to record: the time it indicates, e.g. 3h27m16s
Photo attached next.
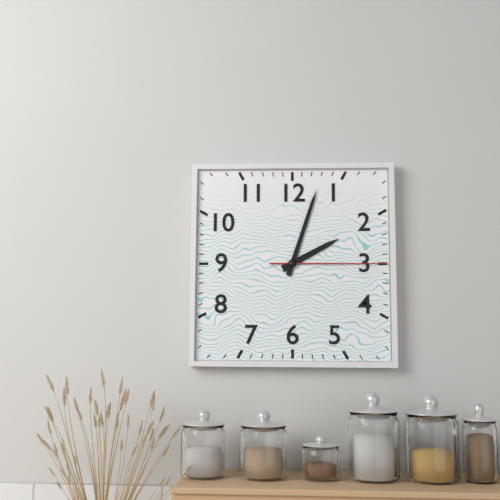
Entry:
2h03m15s
